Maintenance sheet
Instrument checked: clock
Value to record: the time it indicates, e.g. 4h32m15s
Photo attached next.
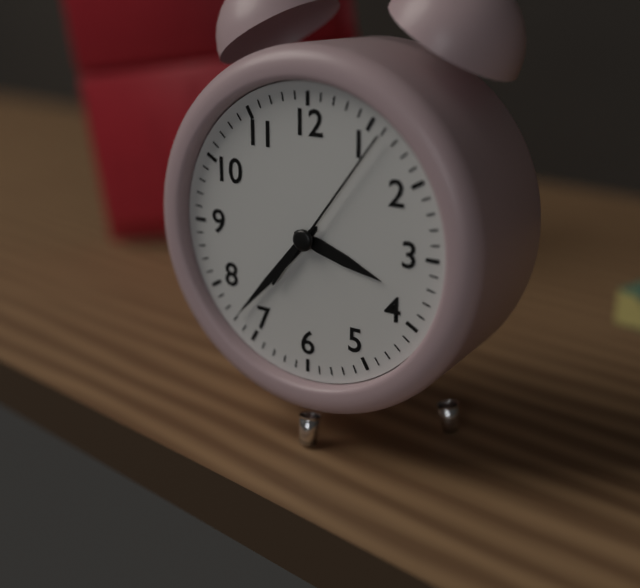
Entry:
3h37m06s
